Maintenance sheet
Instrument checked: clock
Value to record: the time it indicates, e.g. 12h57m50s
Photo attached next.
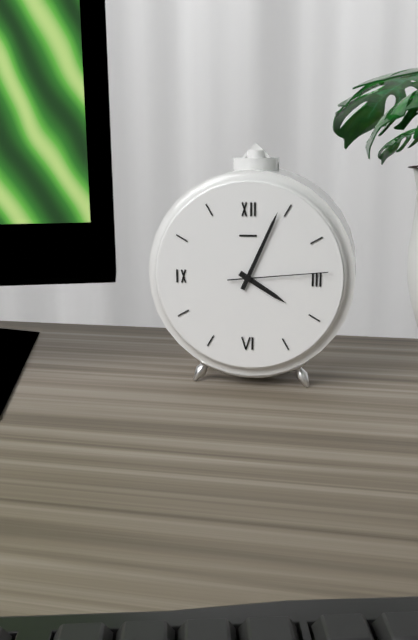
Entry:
4h04m14s
